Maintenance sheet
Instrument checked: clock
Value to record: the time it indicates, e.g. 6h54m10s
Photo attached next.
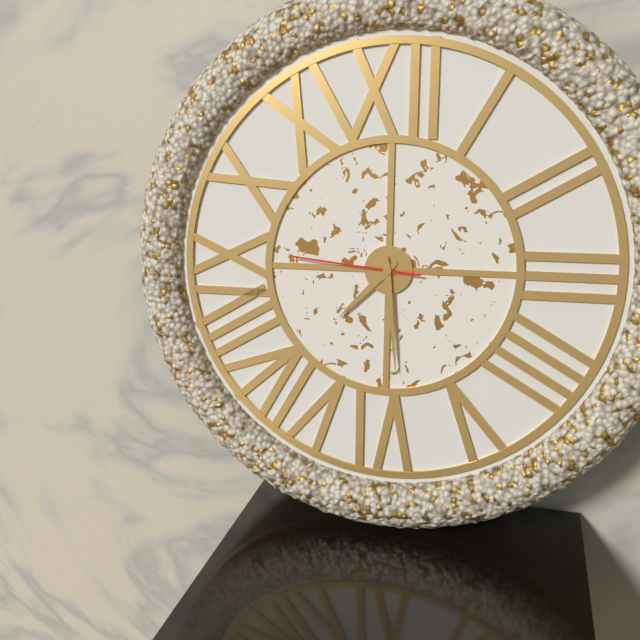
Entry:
7h29m46s
